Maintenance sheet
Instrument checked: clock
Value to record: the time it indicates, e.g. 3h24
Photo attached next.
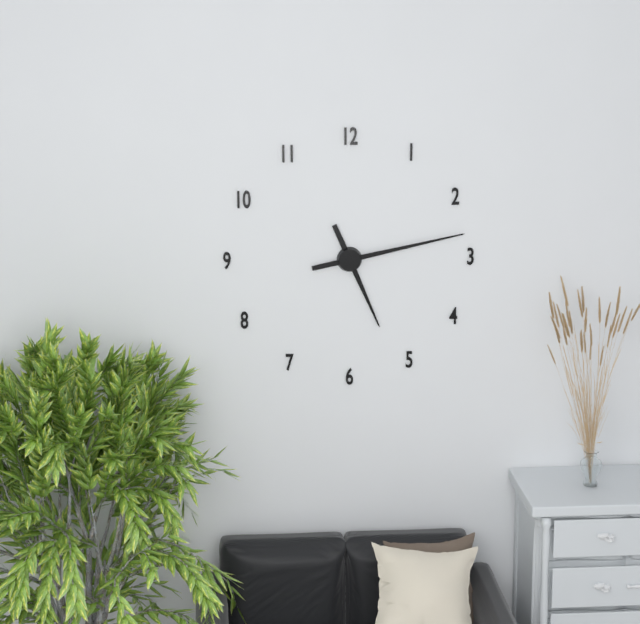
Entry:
5h13
